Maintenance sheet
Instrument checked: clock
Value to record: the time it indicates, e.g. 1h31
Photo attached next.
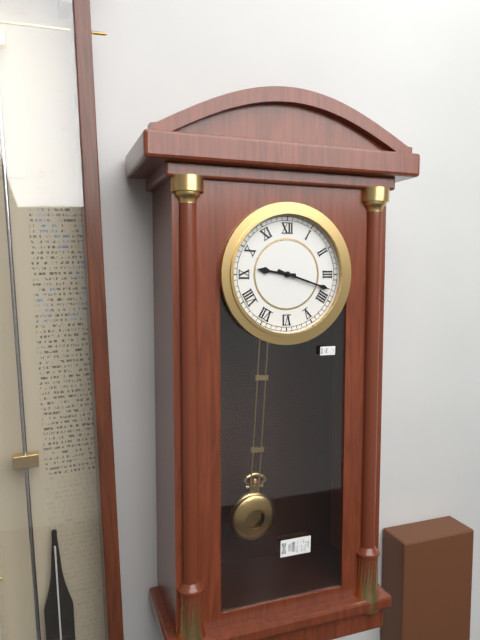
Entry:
9h18
